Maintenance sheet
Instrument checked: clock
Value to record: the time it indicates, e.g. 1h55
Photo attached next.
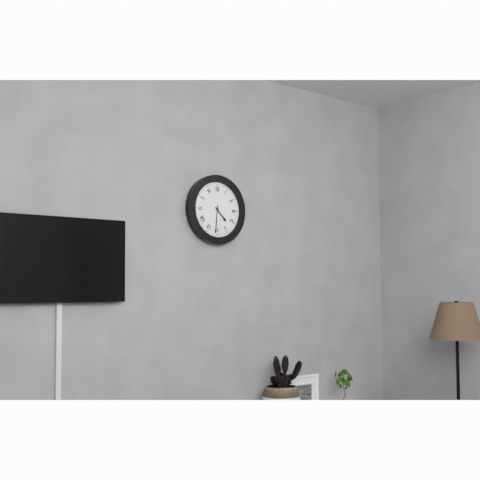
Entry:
4h31
